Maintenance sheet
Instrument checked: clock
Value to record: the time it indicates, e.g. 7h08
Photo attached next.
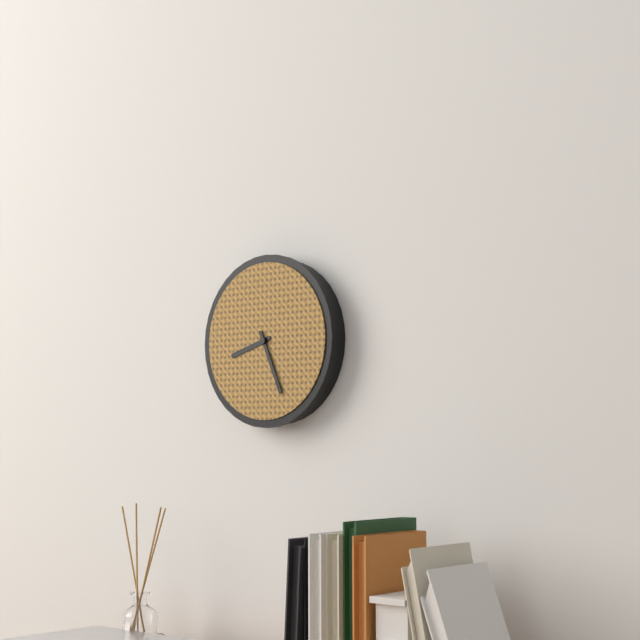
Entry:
8h26
